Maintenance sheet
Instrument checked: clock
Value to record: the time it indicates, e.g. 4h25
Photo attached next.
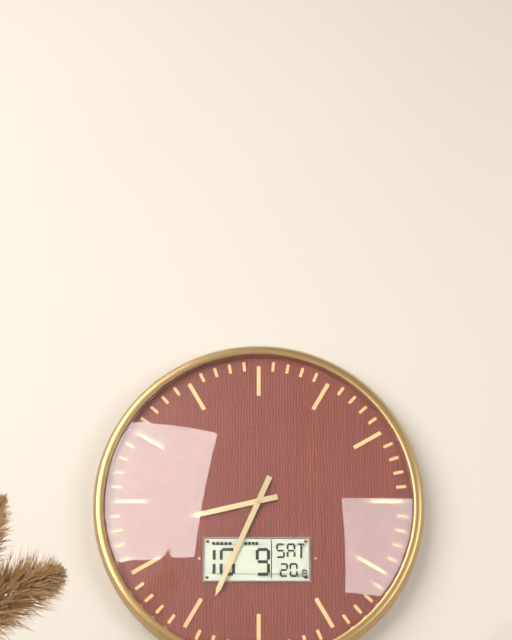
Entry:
8h34
